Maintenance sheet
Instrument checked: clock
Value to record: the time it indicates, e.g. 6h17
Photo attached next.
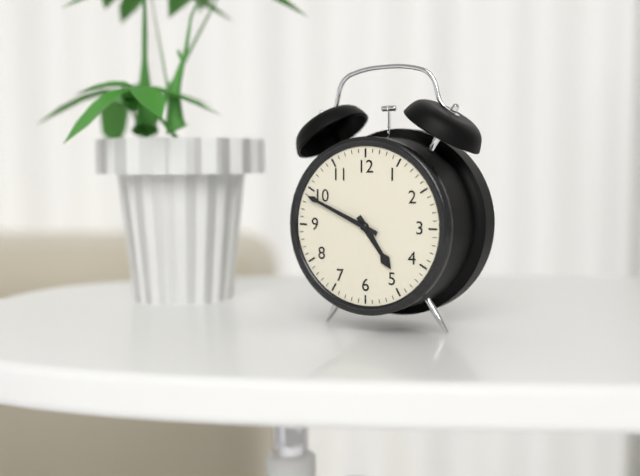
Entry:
4h49
